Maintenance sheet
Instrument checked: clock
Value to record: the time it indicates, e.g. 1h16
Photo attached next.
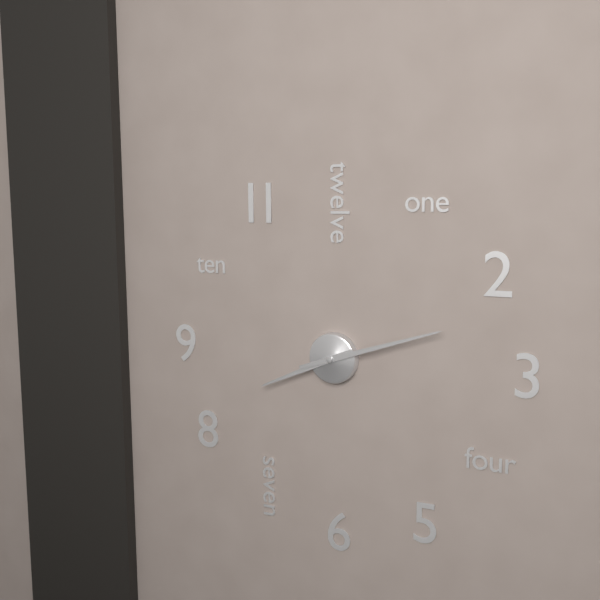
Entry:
8h12
